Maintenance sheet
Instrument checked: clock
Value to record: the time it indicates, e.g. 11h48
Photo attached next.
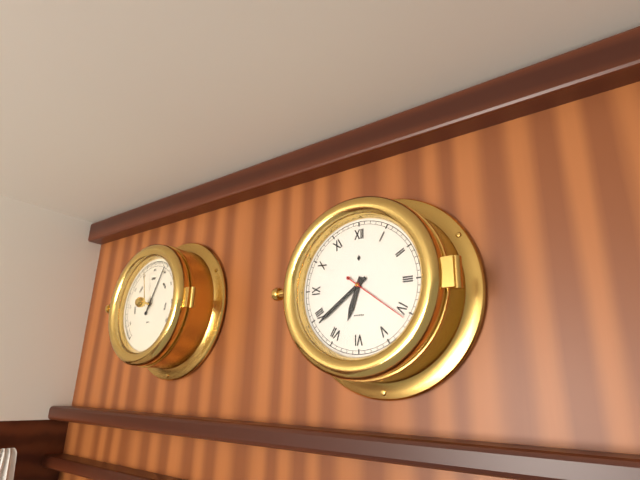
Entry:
6h39
